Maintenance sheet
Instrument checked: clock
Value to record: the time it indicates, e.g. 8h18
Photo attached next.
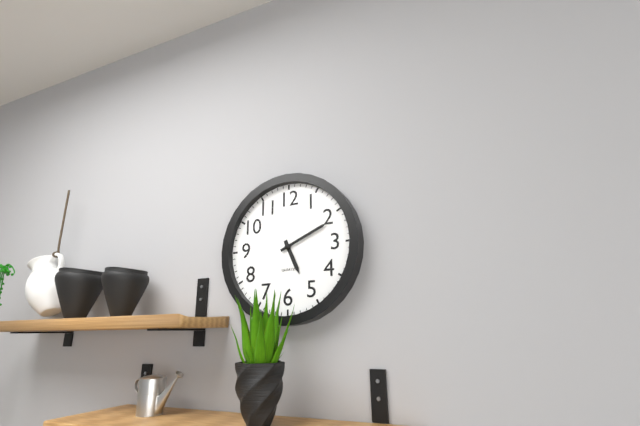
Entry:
5h11
